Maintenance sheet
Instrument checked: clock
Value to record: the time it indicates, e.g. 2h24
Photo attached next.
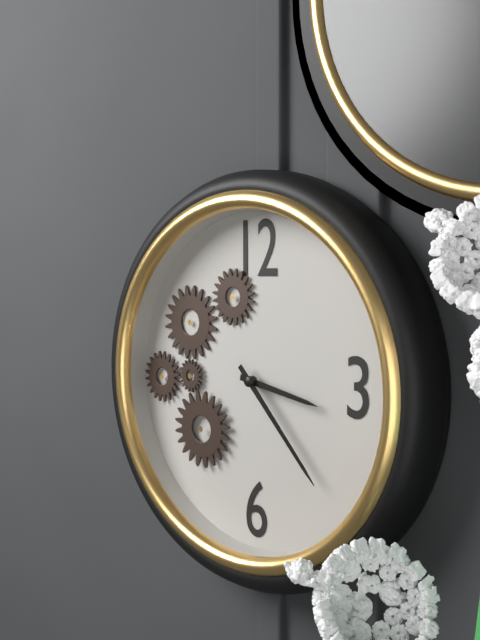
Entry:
3h23
